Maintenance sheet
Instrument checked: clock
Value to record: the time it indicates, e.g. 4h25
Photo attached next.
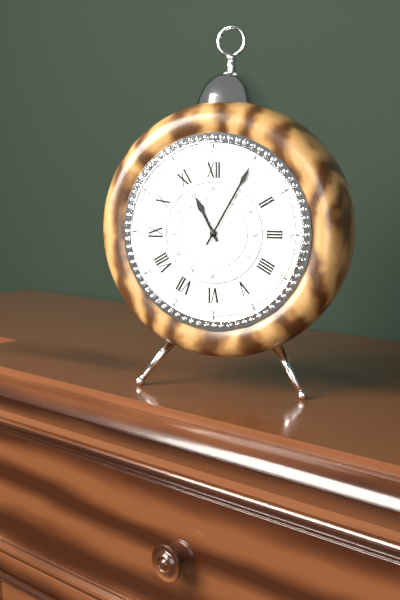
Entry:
11h05
